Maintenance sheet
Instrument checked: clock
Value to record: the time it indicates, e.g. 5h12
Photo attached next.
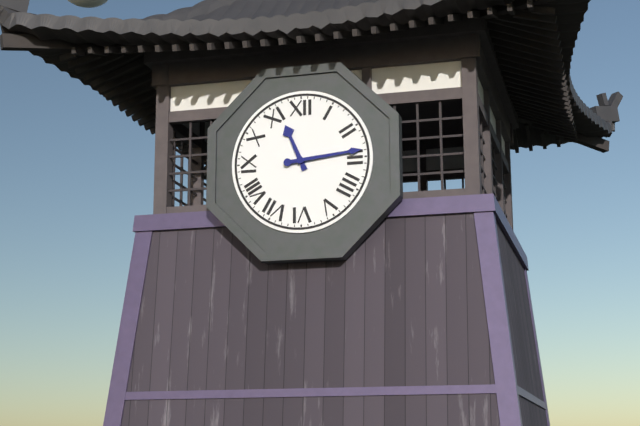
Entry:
11h14
